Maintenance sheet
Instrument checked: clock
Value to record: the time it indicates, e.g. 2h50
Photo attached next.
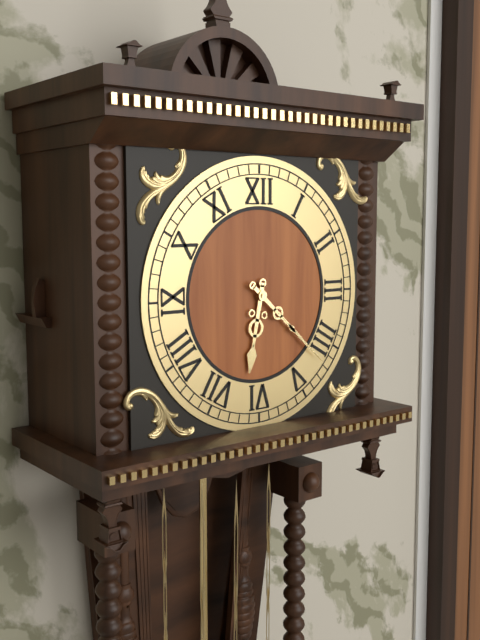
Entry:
6h22
